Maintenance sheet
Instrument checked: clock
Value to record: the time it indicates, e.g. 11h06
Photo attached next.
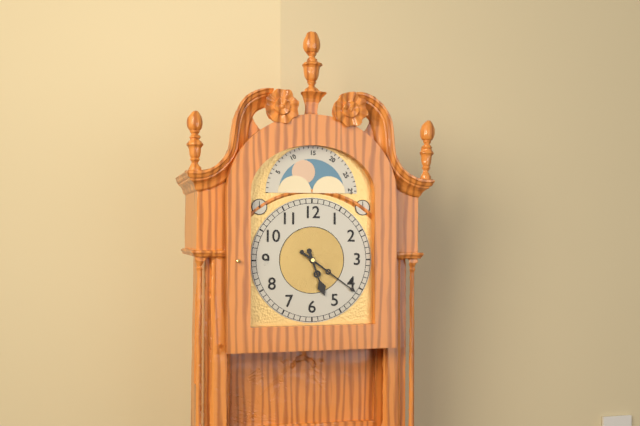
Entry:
5h21
